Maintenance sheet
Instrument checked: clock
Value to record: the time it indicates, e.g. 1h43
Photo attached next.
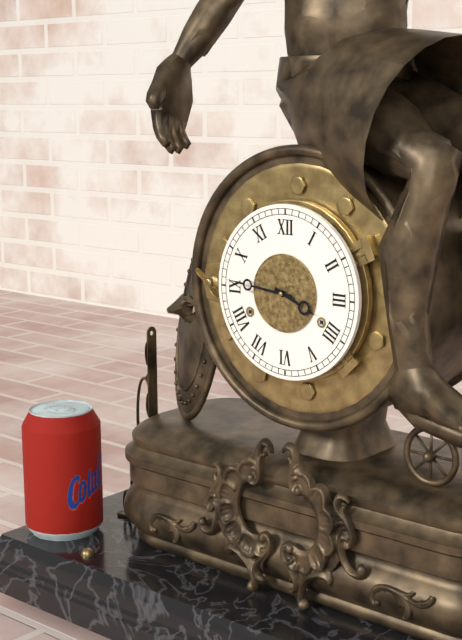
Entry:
3h46
